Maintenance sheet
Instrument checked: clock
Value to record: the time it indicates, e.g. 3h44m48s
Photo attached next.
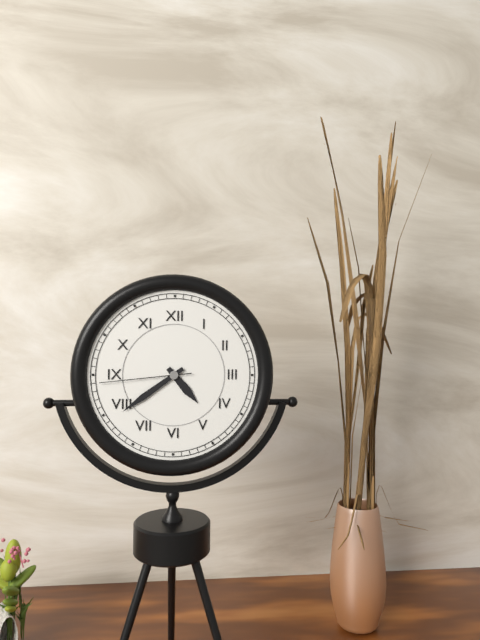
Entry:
4h39m44s
